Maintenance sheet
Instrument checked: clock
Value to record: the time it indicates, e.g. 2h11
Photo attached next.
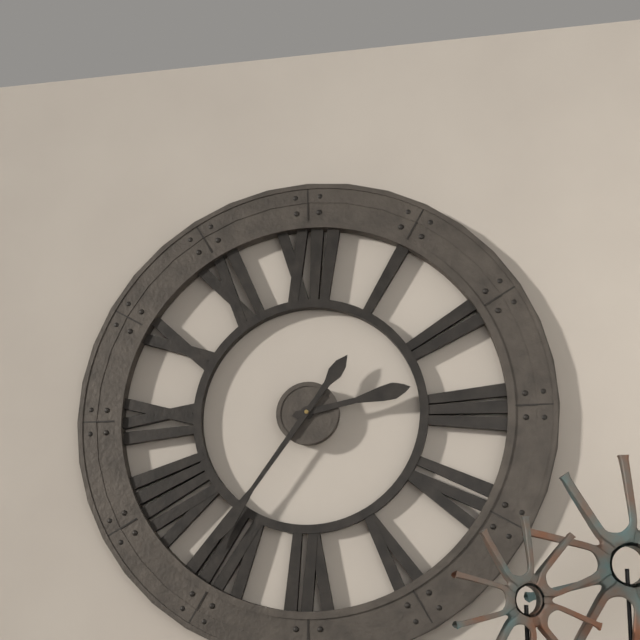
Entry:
2h36
